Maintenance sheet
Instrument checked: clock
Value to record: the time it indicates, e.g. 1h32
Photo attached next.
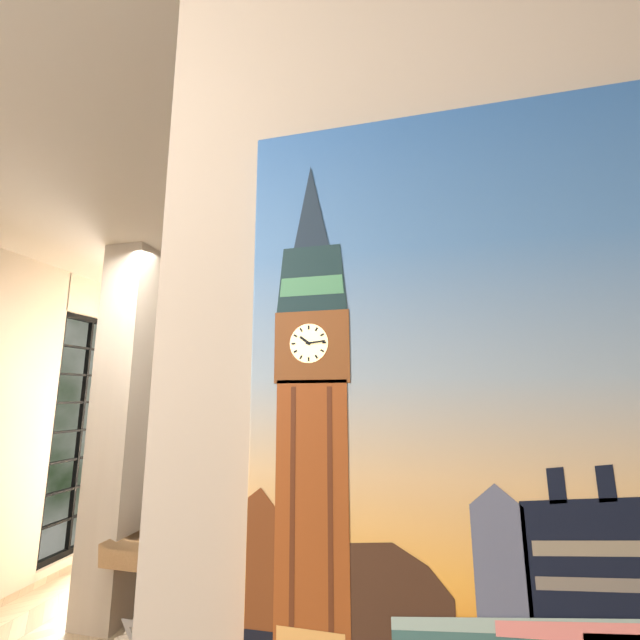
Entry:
10h14
